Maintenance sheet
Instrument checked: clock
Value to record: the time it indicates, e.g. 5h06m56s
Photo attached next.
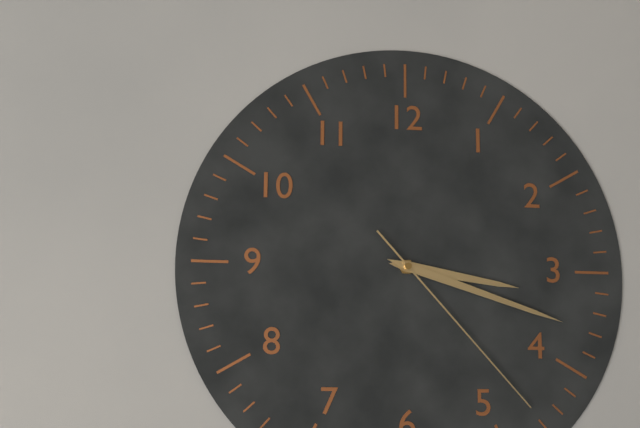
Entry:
3h18m23s
